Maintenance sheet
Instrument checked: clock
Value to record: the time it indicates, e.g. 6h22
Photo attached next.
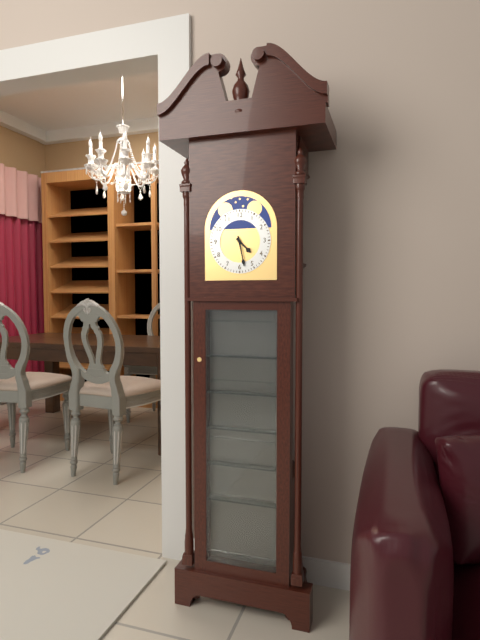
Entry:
4h28
